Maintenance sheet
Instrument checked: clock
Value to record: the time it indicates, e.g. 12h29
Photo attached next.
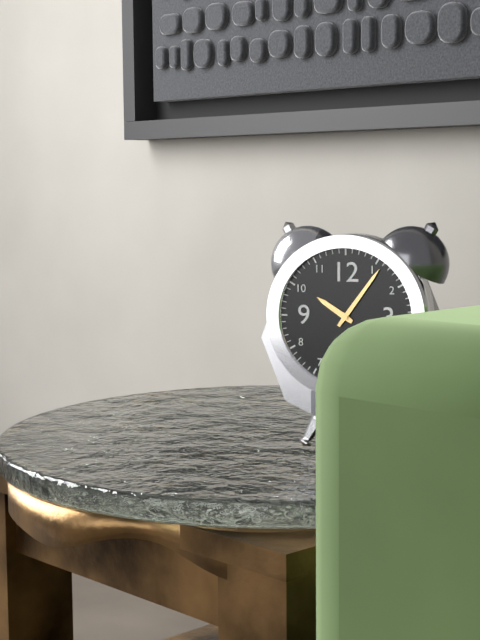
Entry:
10h06
